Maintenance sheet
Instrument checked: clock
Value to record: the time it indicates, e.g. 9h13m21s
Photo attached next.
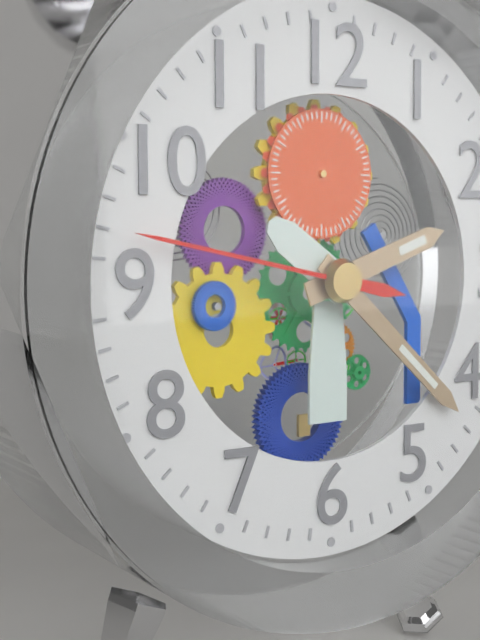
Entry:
2h22m47s
